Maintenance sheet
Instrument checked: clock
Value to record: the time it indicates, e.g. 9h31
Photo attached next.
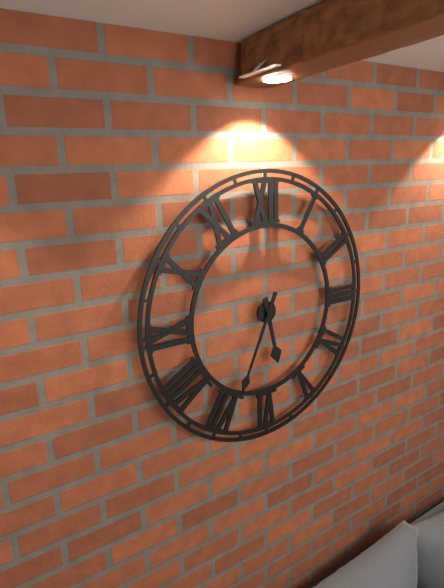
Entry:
5h34
